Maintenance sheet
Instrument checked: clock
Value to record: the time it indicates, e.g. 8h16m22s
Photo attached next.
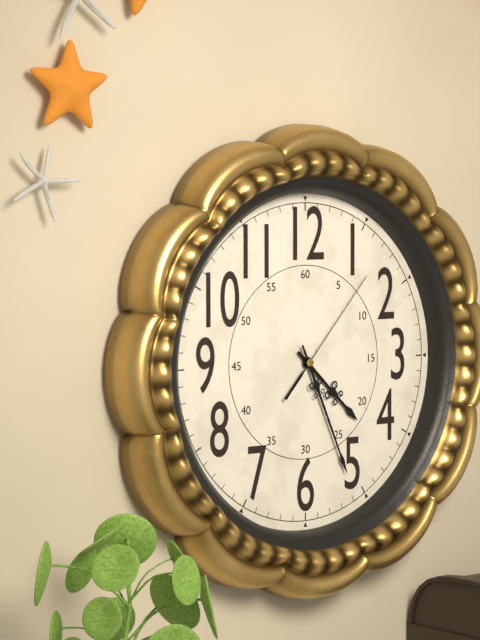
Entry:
4h26m07s
